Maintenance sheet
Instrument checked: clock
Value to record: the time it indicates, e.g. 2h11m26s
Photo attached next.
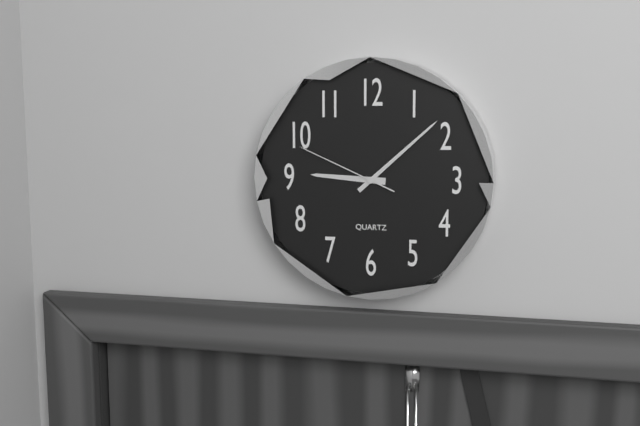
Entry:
9h08m49s
